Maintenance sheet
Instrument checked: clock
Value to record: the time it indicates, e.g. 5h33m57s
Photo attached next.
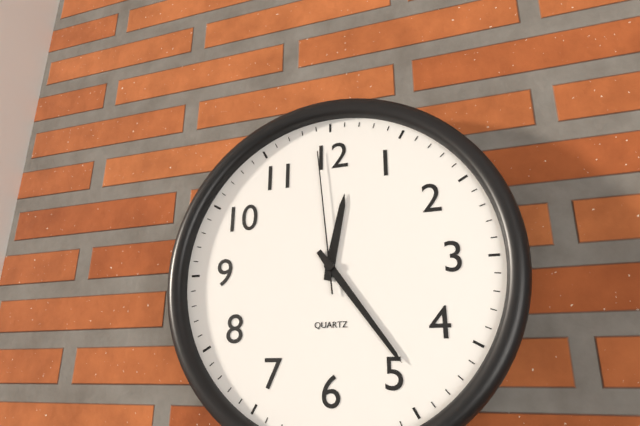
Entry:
12h24m59s
